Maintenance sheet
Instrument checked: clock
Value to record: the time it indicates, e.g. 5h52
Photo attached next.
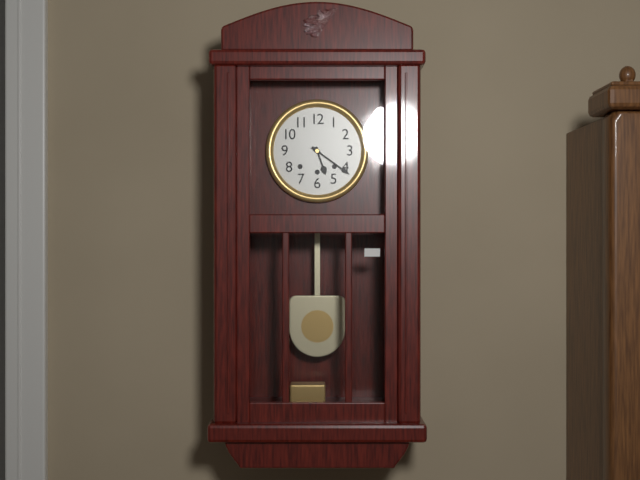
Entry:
5h21
